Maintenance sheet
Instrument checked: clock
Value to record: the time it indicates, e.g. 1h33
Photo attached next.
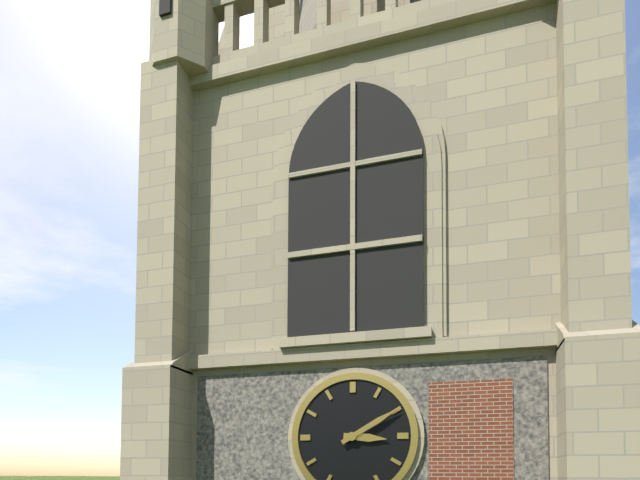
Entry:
3h10
